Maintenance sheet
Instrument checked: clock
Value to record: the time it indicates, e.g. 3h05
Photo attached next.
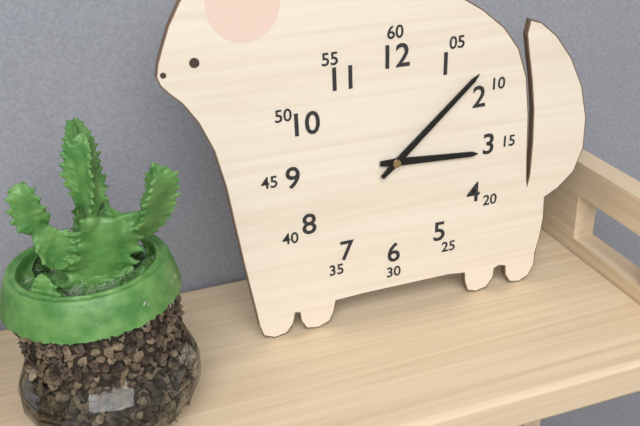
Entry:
3h08
